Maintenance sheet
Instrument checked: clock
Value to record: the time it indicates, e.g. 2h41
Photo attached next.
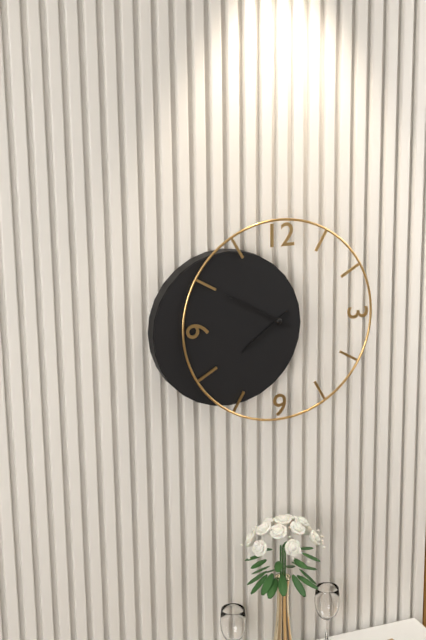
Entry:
7h50
